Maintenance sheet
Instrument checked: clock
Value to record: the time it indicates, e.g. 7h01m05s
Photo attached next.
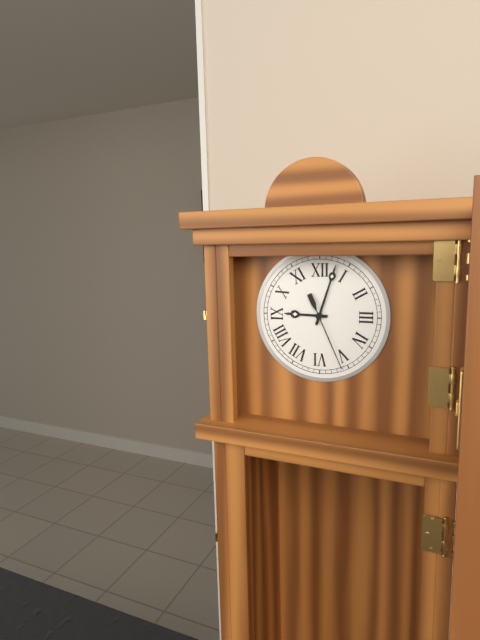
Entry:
9h03m26s
